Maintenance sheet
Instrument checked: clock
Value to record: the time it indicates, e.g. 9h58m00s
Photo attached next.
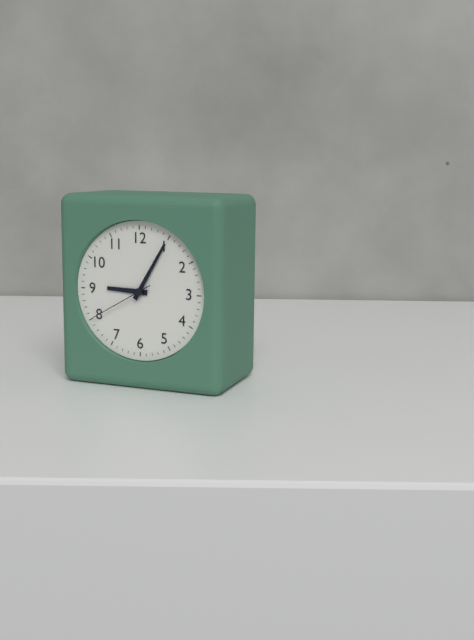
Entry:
9h05m40s
